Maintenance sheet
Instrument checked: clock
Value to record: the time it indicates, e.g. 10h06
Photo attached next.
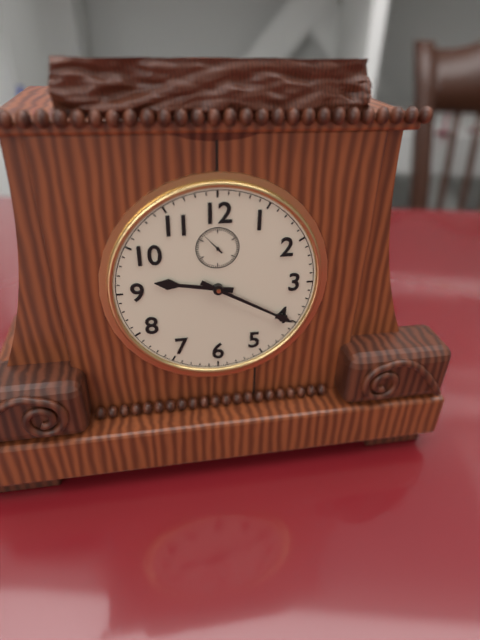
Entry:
9h20
